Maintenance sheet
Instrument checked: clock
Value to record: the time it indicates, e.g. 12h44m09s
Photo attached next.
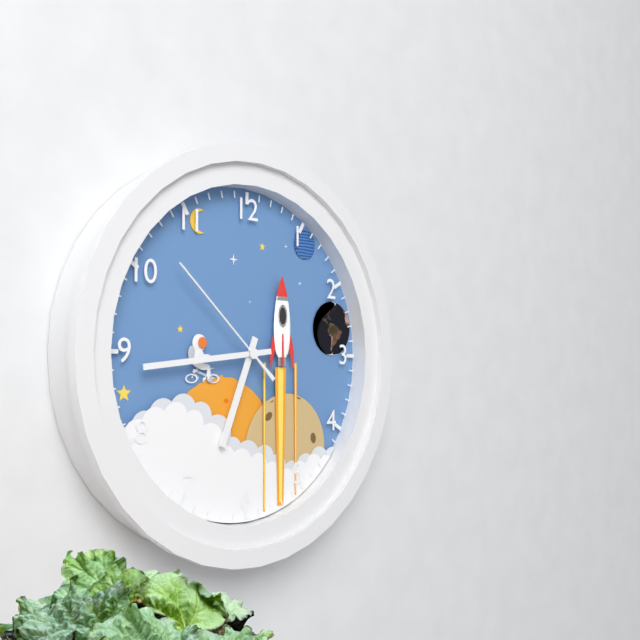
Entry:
6h44m52s
